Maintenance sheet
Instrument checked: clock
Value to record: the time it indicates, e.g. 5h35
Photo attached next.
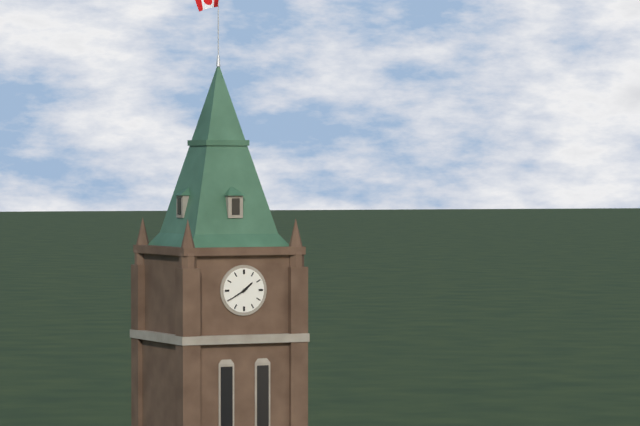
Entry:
1h40
